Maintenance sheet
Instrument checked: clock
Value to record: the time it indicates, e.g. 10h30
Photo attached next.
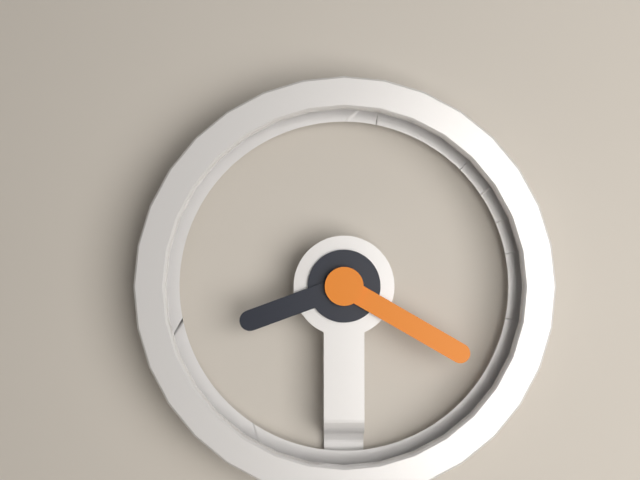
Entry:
8h20
